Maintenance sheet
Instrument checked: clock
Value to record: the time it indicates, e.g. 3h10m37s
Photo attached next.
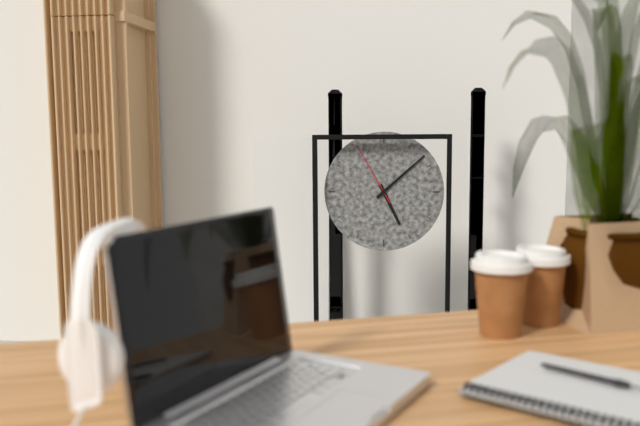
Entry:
5h08m55s
